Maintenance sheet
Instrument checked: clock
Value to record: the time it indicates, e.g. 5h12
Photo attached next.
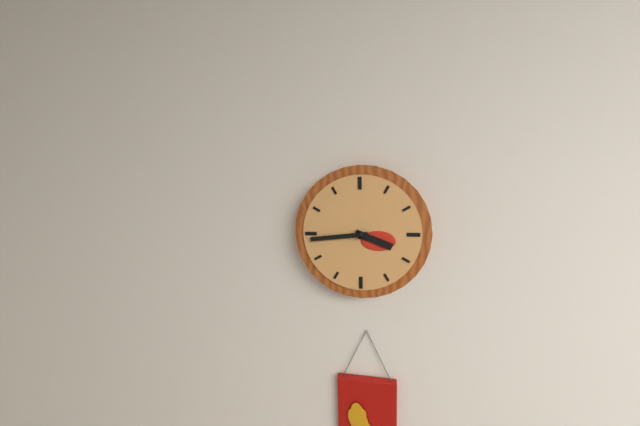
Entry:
3h44
